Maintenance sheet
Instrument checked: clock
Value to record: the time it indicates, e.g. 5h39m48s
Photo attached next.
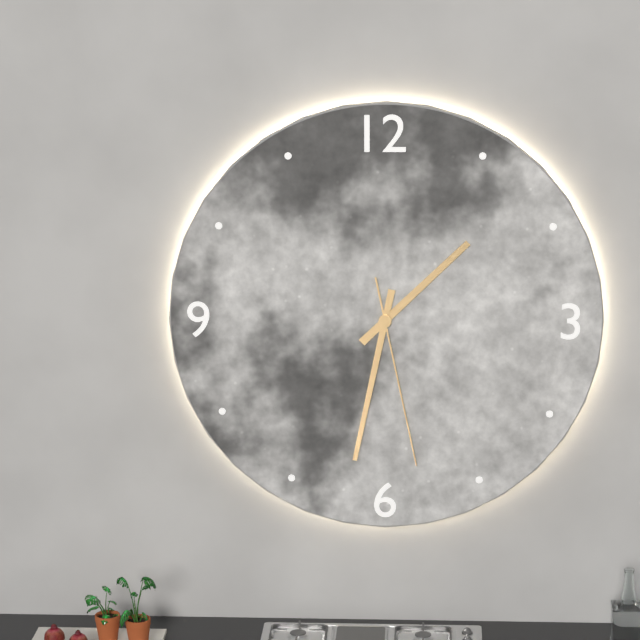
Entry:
1h32m28s
